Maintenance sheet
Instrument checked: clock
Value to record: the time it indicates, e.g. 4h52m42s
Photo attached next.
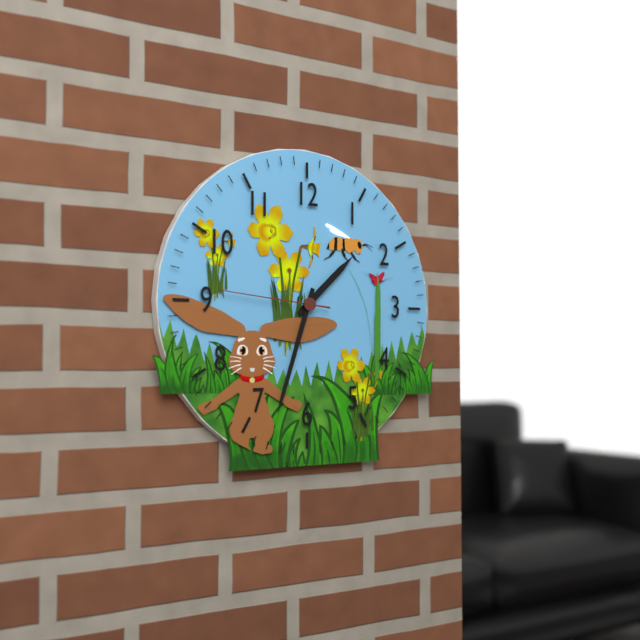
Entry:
1h33m46s
